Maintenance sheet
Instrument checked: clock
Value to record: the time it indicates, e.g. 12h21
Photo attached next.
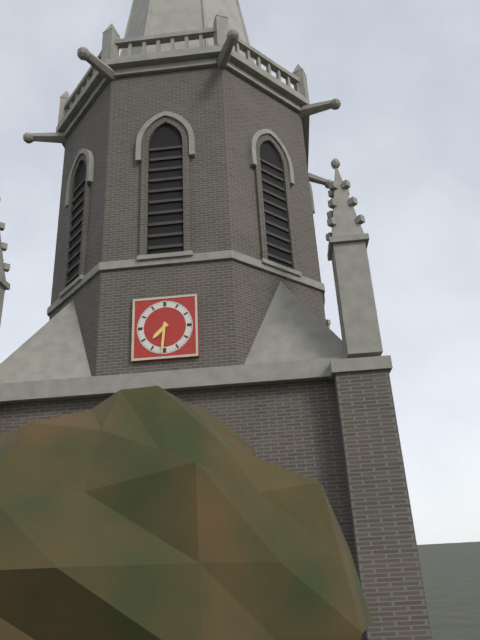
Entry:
7h31
